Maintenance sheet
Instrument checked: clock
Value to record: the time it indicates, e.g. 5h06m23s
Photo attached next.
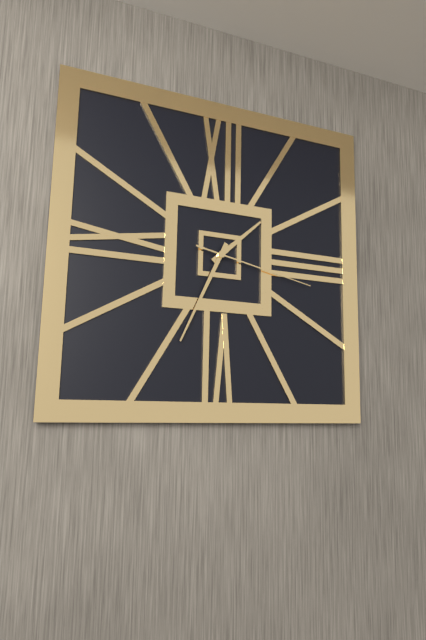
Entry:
1h34m17s
